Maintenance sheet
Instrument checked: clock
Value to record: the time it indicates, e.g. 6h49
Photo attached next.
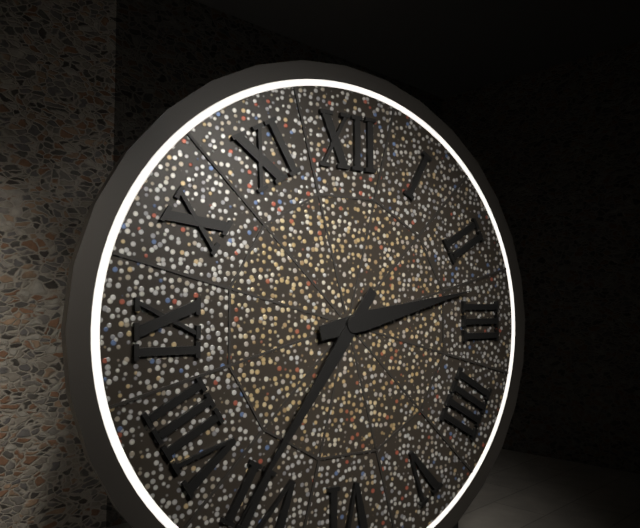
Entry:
2h36
